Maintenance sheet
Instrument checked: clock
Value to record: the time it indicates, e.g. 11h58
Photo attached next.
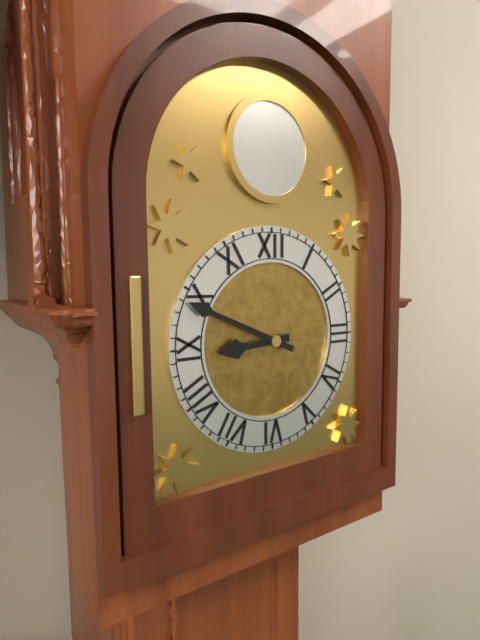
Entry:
8h49
